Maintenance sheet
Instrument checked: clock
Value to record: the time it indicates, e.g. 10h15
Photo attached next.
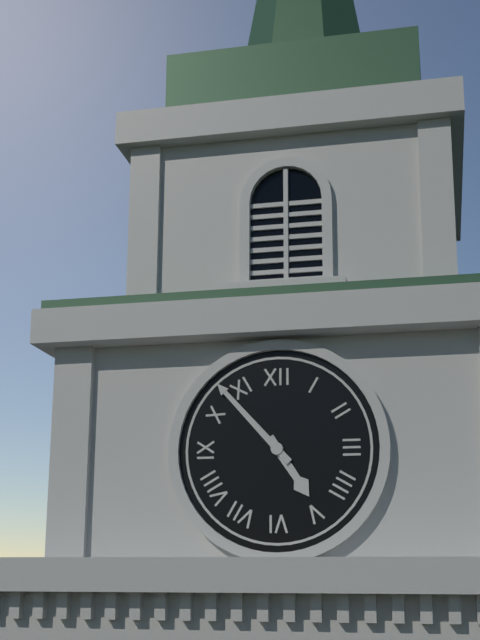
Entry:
4h53
